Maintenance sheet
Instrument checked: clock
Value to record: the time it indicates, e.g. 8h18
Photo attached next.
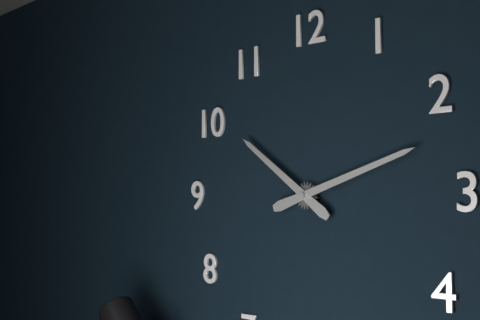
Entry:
10h12
